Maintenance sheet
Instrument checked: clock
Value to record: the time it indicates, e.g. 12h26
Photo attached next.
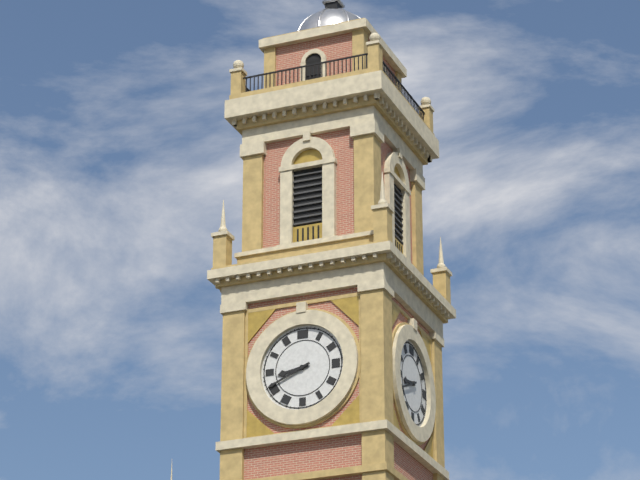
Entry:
8h41
